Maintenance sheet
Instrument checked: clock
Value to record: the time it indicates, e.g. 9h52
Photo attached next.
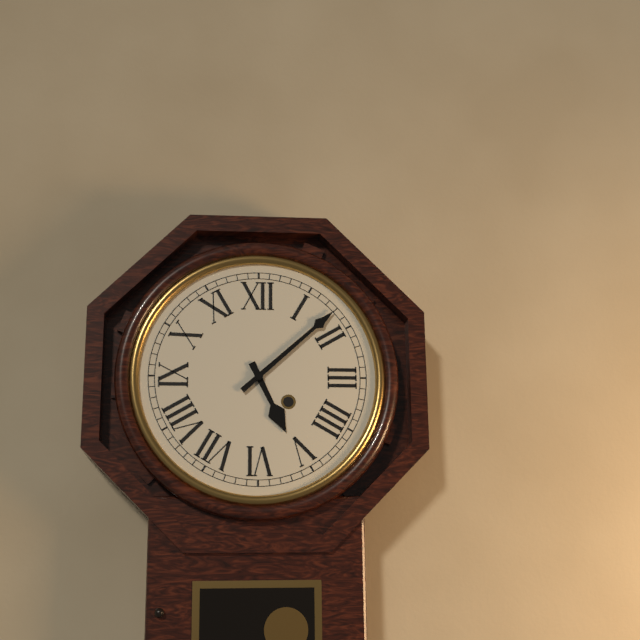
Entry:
5h08
